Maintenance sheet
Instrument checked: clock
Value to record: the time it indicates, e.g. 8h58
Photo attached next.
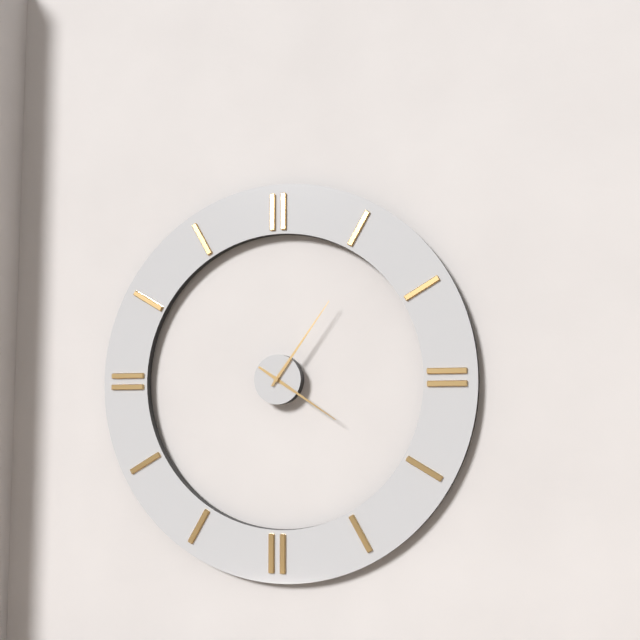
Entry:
4h06
